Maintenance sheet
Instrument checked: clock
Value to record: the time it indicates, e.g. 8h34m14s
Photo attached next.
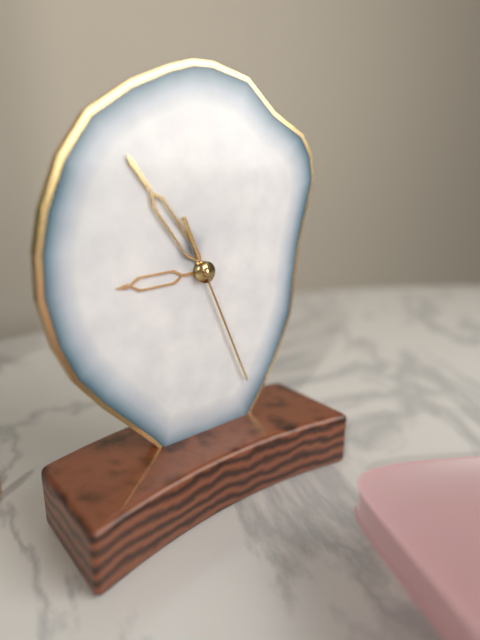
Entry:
8h54m26s
